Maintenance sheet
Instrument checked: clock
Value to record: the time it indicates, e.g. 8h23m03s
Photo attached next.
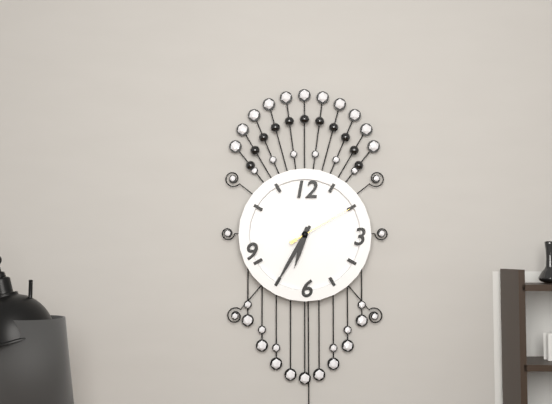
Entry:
6h35m10s
